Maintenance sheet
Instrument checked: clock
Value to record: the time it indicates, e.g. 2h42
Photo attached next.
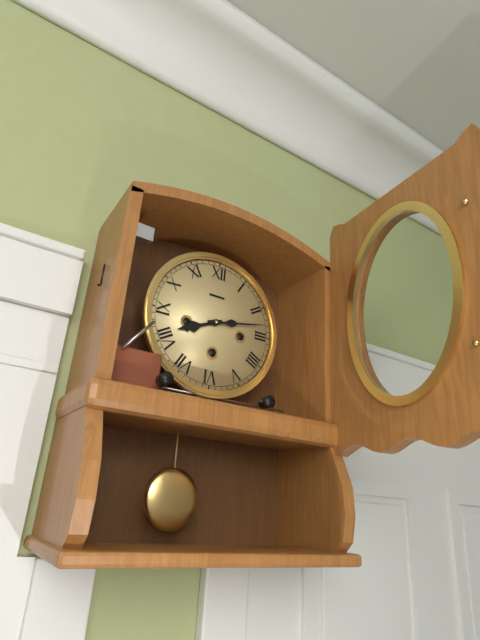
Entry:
8h13
